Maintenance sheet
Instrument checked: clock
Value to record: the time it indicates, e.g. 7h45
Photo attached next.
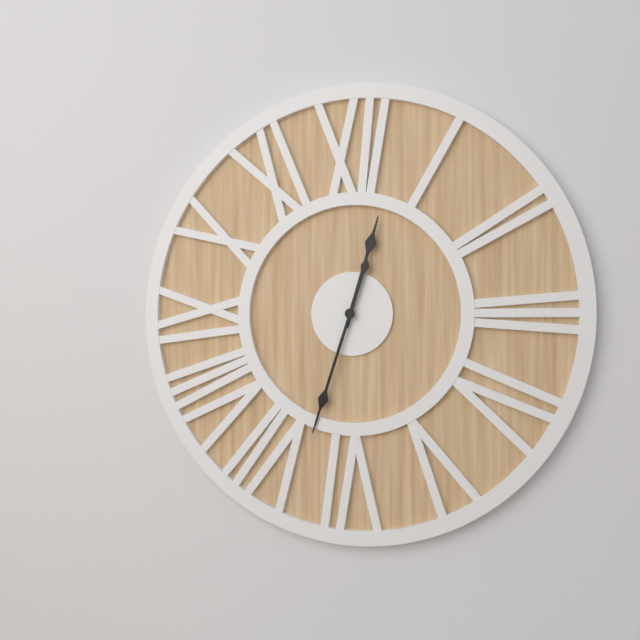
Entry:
12h33
